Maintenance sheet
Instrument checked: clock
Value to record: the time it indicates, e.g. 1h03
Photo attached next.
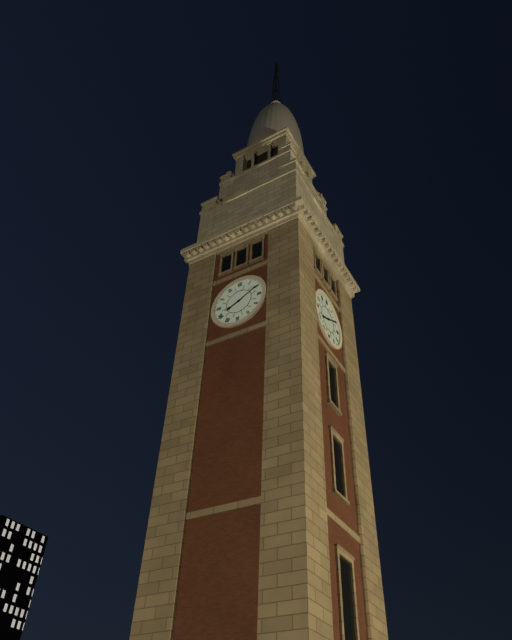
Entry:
8h10
